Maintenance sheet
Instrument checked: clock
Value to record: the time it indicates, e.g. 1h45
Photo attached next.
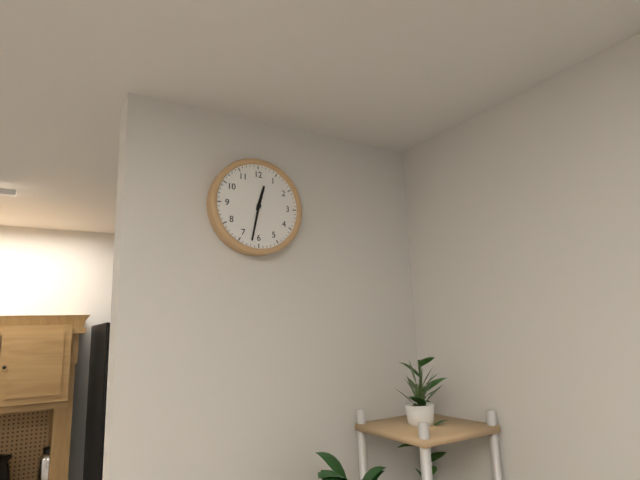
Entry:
12h32
